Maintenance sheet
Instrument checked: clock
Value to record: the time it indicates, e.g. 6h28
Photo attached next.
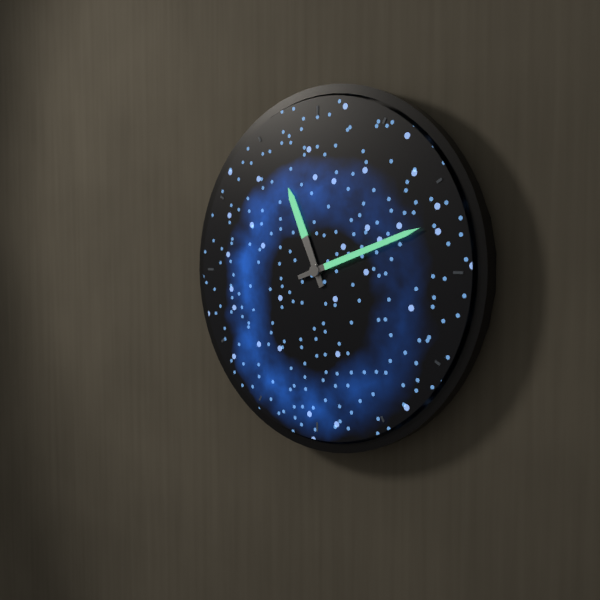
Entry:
11h12
